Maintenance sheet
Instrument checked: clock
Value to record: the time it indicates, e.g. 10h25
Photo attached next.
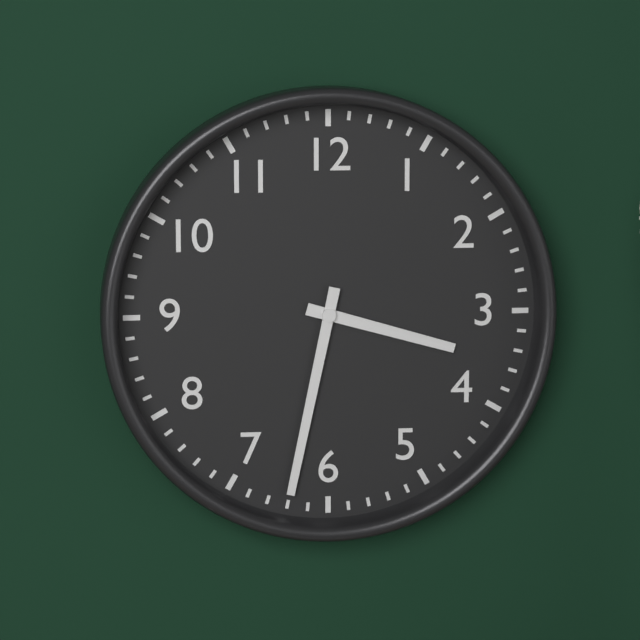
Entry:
3h32
